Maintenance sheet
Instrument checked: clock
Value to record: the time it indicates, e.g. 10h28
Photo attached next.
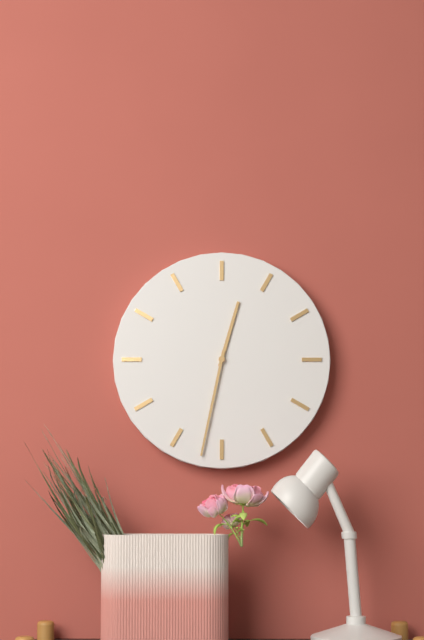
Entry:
12h32
